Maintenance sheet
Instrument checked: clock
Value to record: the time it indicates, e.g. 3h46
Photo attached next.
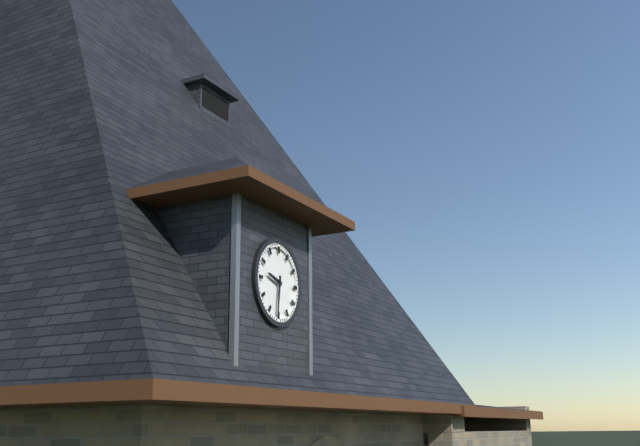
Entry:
9h31
